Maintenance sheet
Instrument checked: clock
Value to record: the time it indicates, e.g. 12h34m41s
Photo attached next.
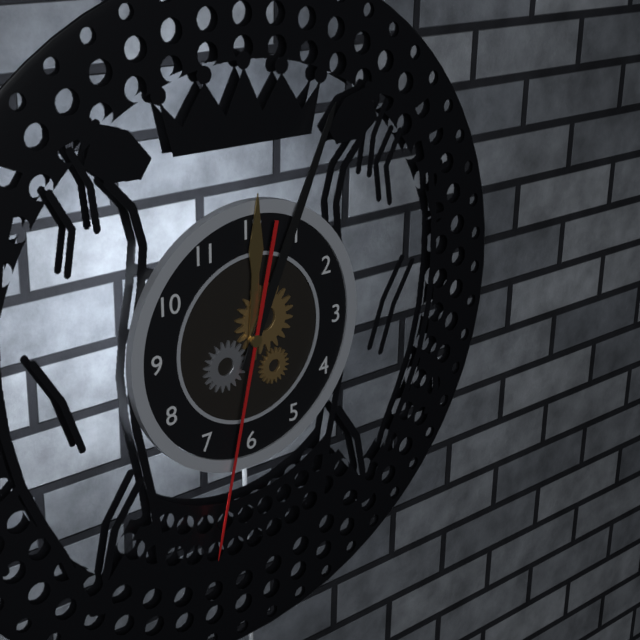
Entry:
12h04m32s
